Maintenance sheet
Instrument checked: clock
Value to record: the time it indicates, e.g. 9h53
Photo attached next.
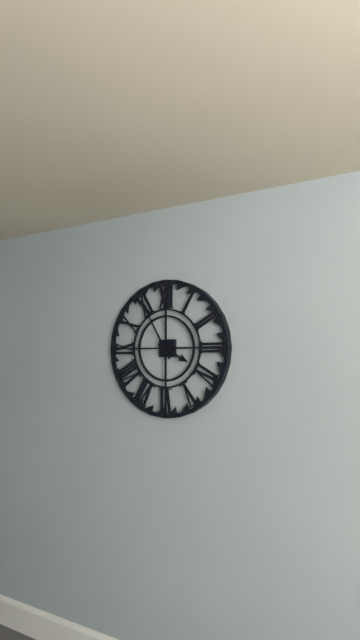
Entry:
3h55
